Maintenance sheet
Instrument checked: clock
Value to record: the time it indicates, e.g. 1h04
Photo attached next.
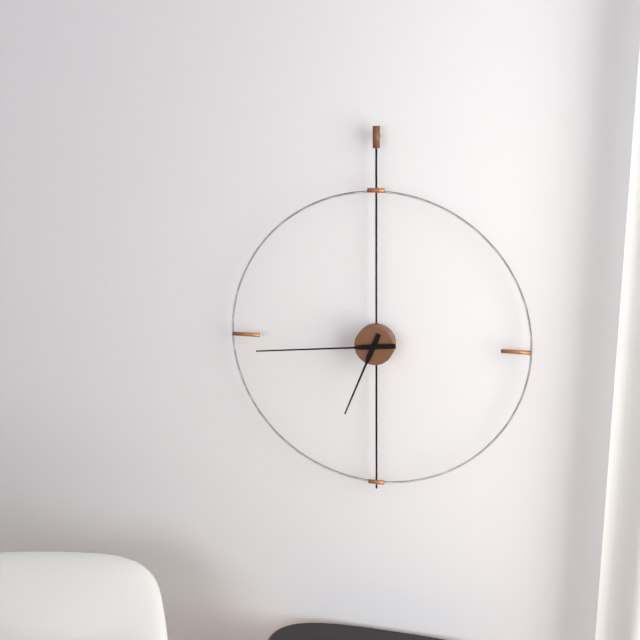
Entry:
6h44
